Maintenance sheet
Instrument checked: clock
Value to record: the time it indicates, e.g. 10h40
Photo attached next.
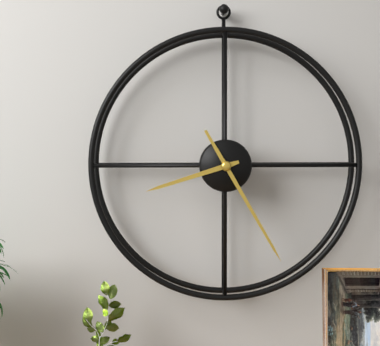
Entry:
8h25
